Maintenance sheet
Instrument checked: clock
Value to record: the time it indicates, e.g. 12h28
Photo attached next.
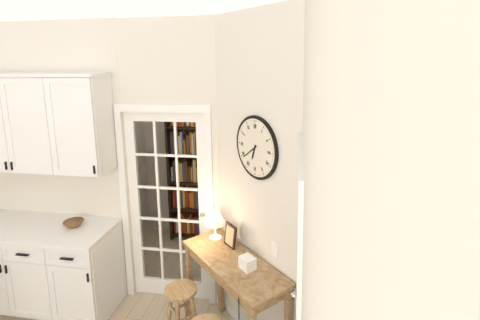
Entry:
6h39
